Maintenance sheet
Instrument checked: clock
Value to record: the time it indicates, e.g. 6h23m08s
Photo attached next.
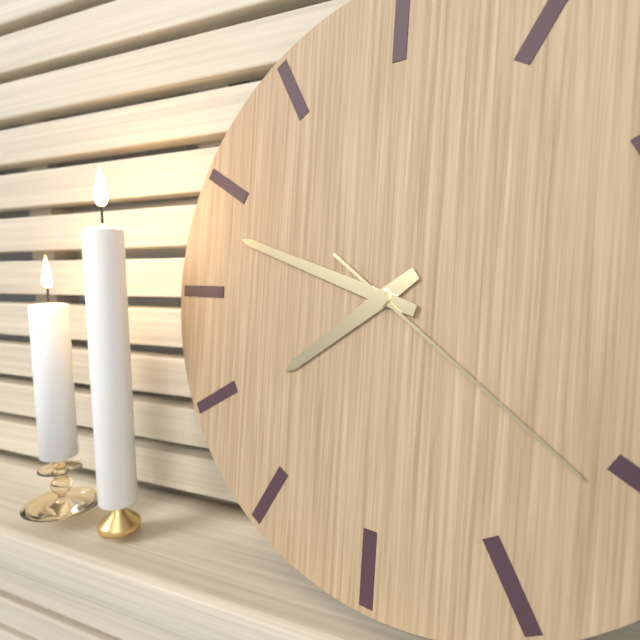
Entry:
7h48m21s
